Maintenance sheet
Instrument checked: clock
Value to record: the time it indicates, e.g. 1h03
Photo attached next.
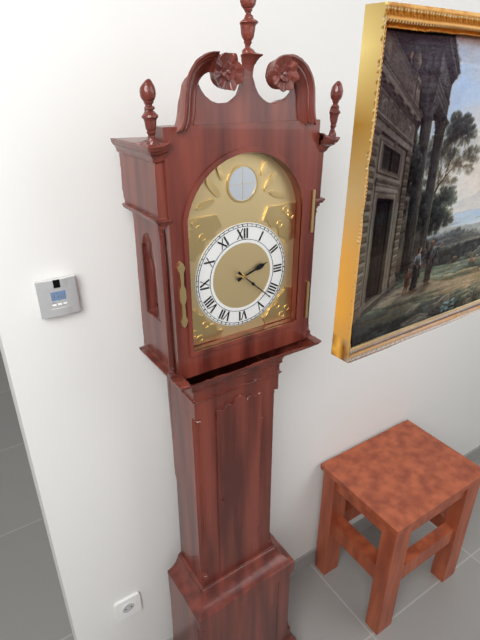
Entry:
2h22
